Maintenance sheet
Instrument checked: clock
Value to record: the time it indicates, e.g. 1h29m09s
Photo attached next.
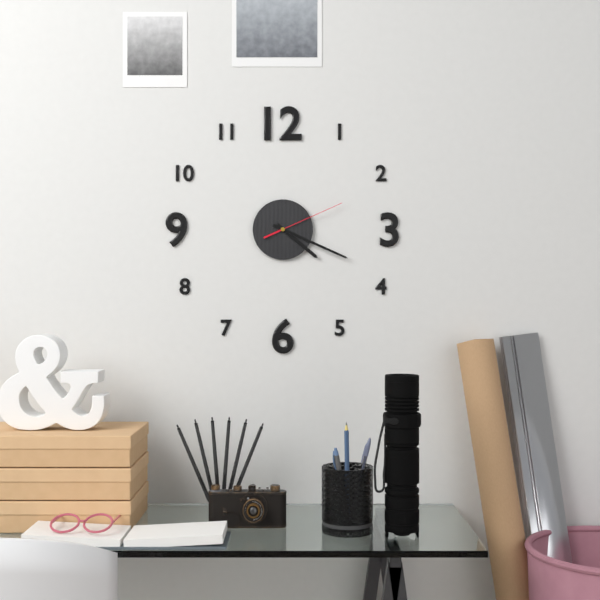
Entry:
4h19m11s
